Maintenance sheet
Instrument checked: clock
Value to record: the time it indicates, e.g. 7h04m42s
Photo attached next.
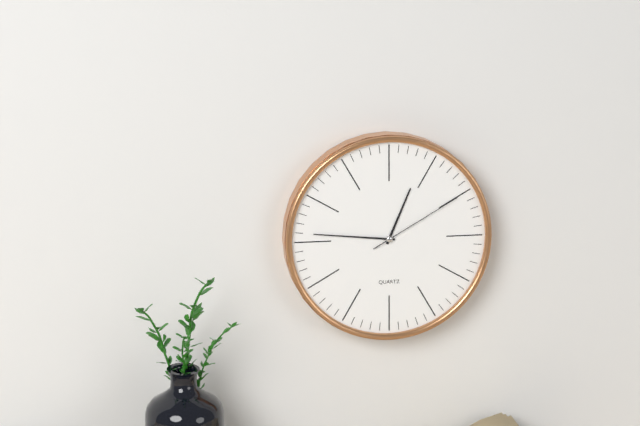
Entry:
12h46m10s
